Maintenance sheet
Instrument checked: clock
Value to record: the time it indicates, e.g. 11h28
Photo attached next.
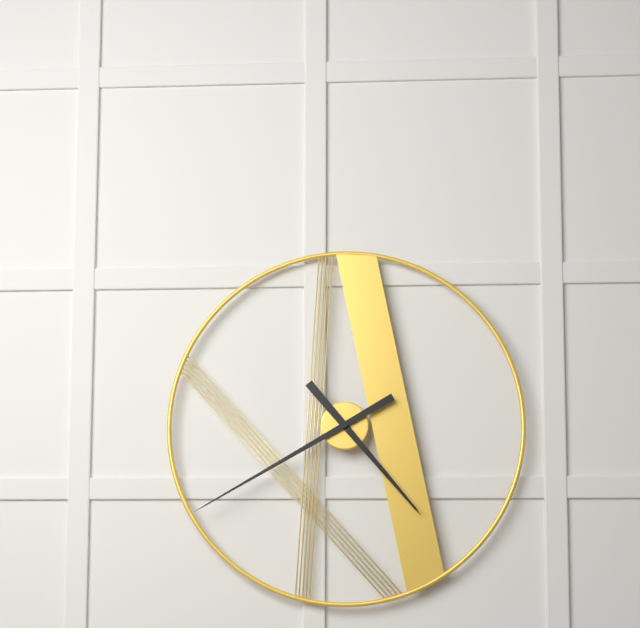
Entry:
4h40
